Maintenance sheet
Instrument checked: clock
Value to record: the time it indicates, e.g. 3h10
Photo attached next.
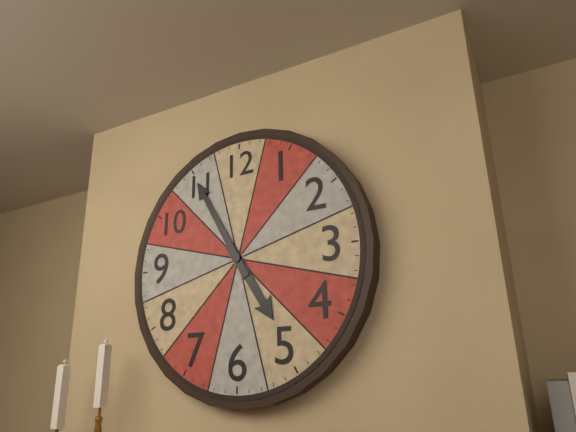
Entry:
4h55
